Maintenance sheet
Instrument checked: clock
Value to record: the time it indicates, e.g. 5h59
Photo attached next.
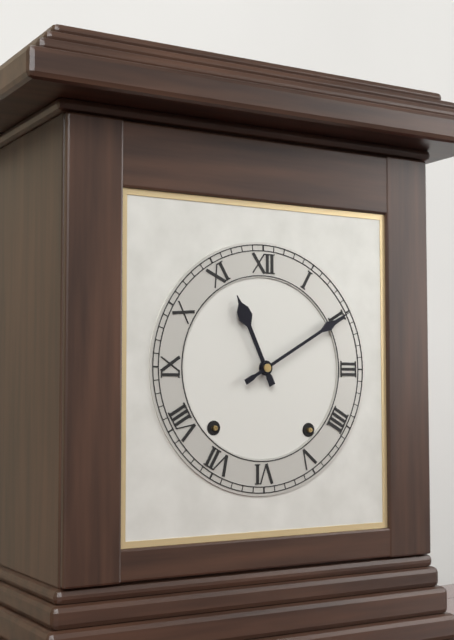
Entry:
11h10
